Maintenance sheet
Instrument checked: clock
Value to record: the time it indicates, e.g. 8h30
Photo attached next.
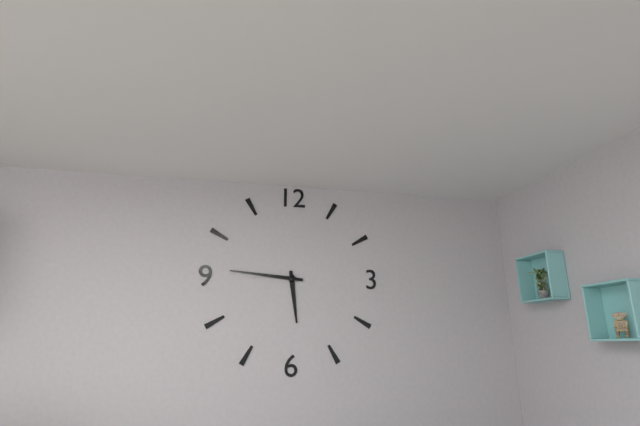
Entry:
5h46
